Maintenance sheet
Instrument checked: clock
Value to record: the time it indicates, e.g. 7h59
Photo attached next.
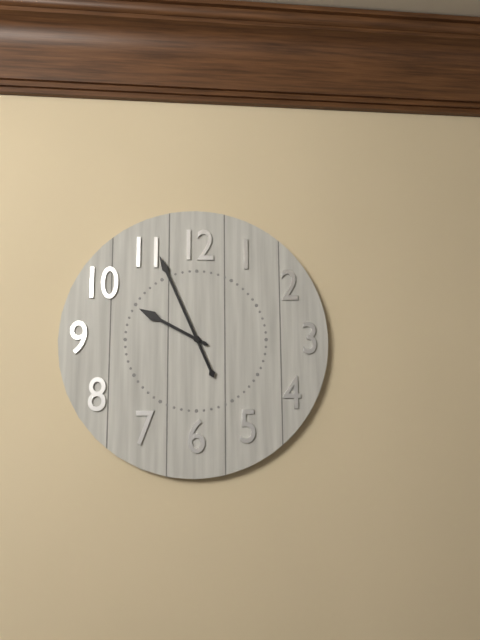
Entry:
9h56
